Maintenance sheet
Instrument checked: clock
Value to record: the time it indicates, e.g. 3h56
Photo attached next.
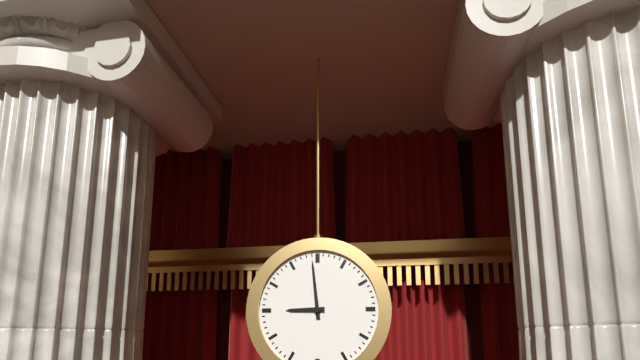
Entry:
8h59
